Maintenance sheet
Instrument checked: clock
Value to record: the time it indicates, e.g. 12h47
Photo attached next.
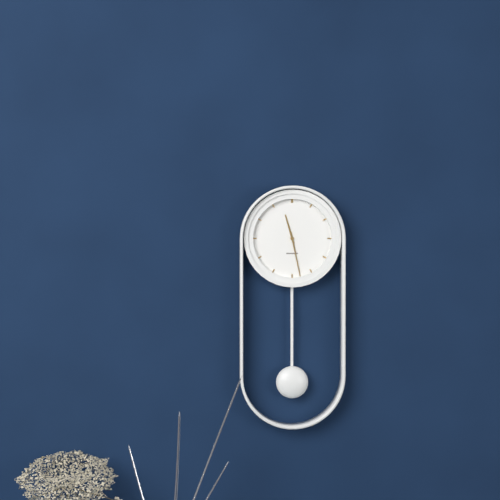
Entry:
11h28
